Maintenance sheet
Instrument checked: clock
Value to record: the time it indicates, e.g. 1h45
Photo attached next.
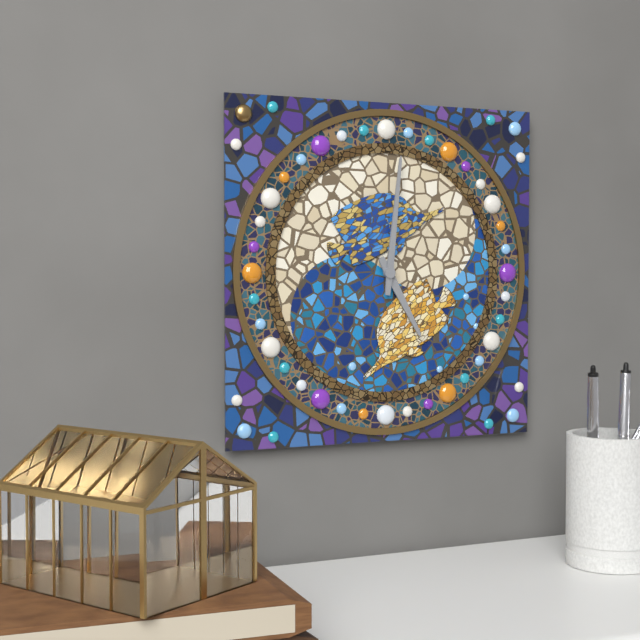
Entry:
5h01
